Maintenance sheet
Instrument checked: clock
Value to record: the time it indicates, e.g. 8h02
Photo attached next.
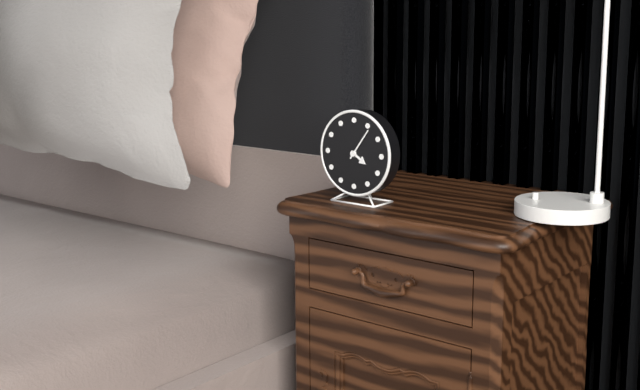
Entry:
4h06
